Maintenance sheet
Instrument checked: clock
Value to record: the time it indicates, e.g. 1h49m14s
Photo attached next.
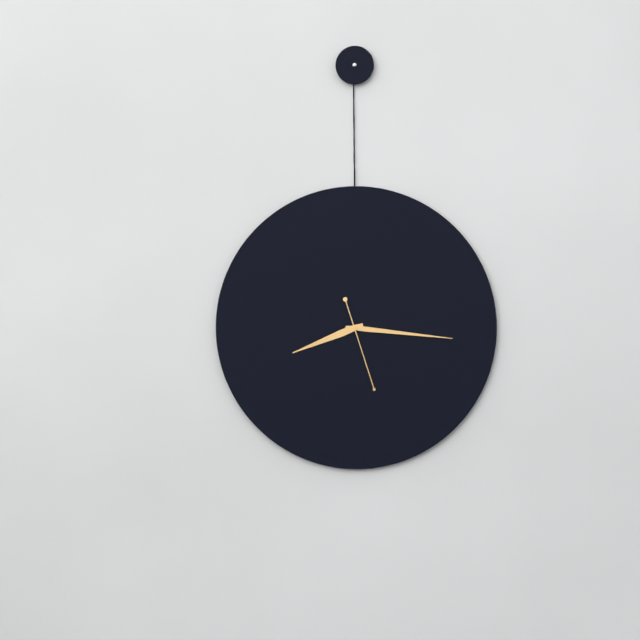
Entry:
8h16m27s
